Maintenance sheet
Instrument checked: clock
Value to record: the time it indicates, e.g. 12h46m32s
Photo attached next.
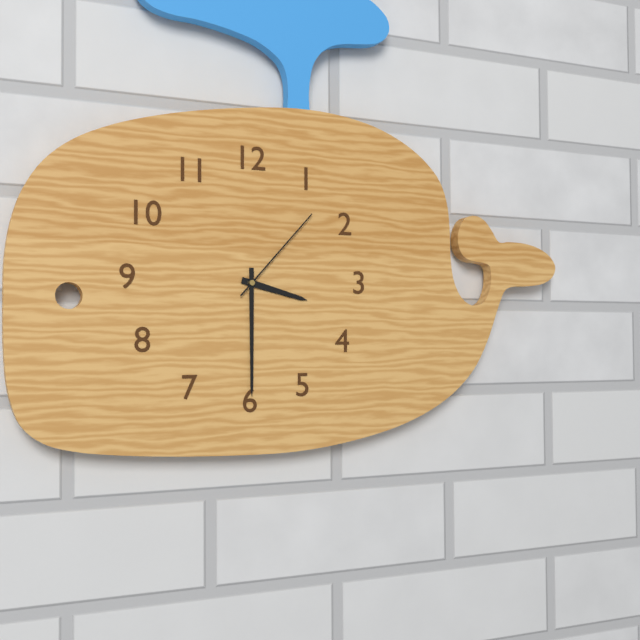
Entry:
3h30m07s
